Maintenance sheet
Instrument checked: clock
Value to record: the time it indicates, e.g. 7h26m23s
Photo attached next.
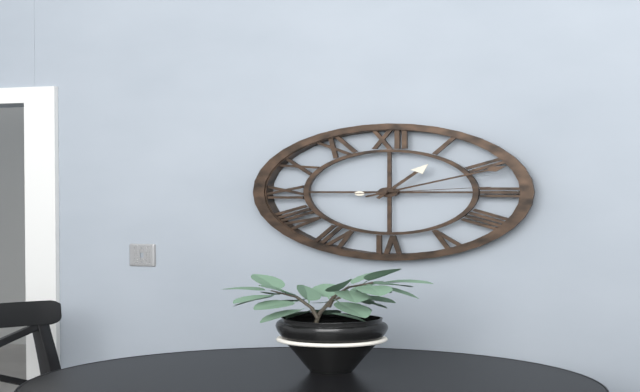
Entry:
1h11m14s
